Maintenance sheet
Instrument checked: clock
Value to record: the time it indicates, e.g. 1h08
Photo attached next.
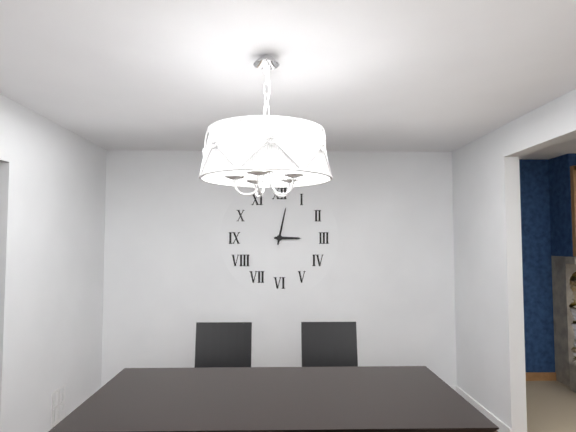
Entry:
3h02
